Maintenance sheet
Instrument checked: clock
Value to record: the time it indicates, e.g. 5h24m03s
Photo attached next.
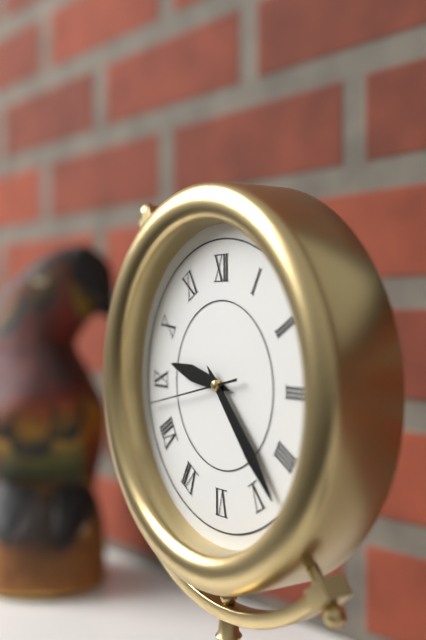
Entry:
9h23m43s
